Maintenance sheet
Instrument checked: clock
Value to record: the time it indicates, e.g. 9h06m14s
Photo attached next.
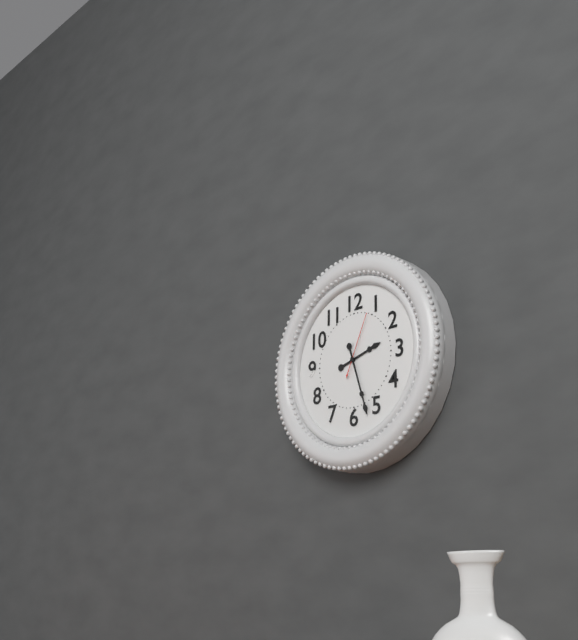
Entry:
2h27m04s
